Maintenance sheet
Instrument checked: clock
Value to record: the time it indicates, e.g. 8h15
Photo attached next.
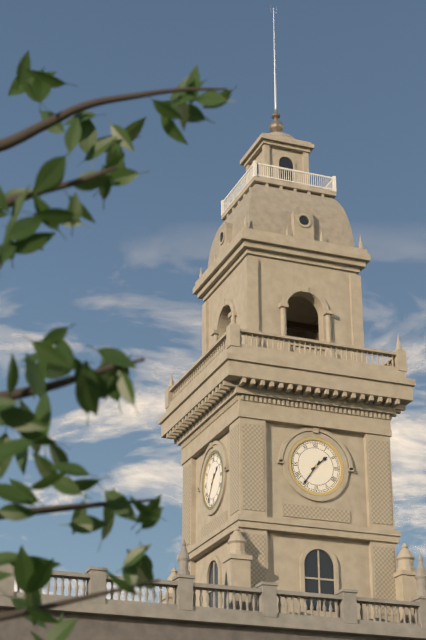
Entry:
1h36
